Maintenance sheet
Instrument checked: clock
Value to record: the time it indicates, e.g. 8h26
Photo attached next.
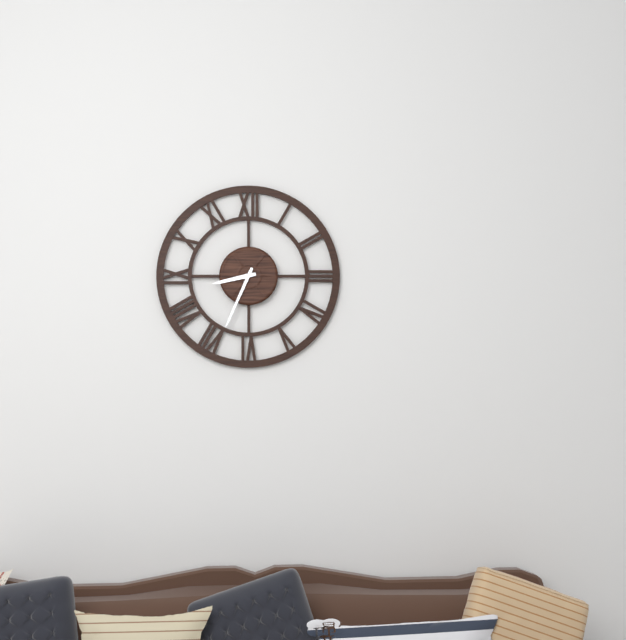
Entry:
8h34
